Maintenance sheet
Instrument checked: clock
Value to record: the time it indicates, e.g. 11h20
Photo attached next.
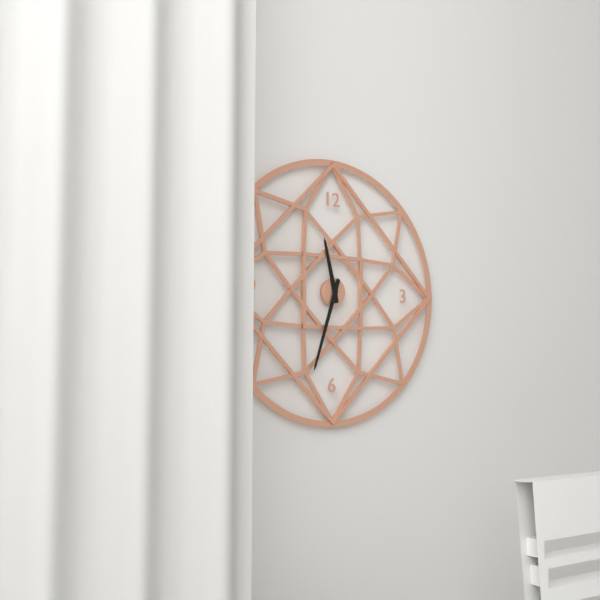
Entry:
11h33
